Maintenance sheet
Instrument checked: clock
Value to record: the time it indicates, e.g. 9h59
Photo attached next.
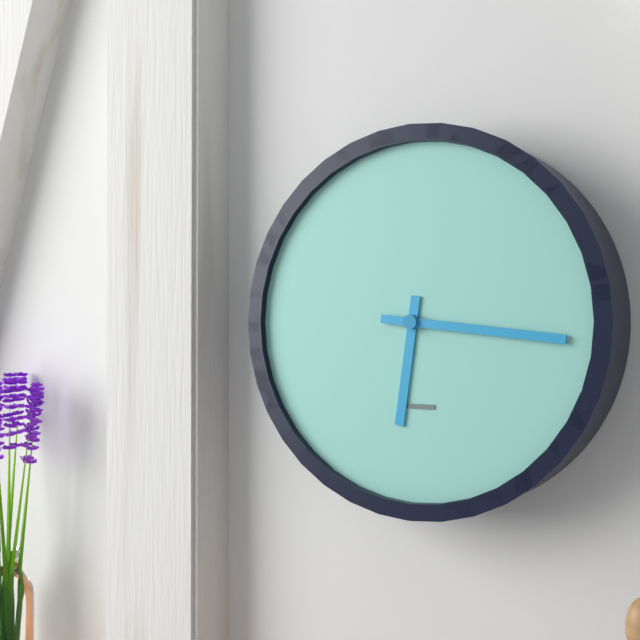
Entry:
6h16
